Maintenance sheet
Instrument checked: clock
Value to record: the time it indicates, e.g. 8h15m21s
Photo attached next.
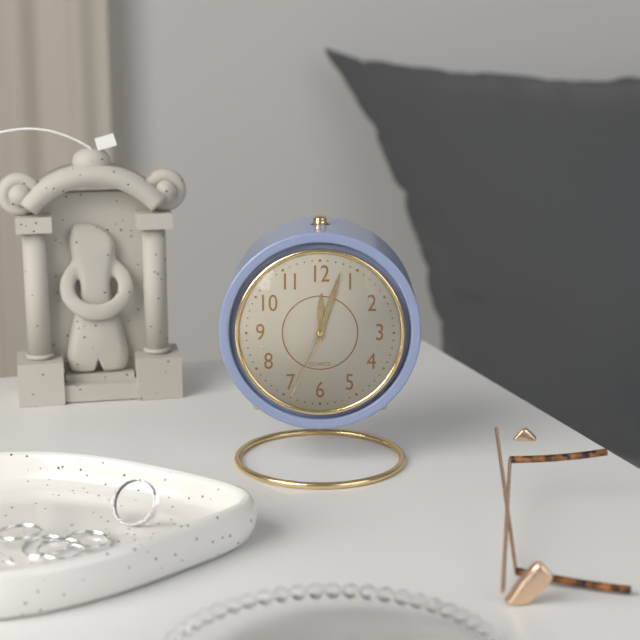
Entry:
12h03m34s
